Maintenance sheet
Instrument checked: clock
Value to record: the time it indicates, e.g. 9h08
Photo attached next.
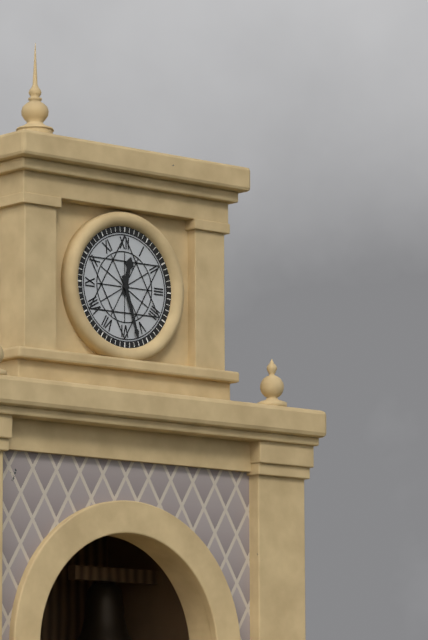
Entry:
12h27
